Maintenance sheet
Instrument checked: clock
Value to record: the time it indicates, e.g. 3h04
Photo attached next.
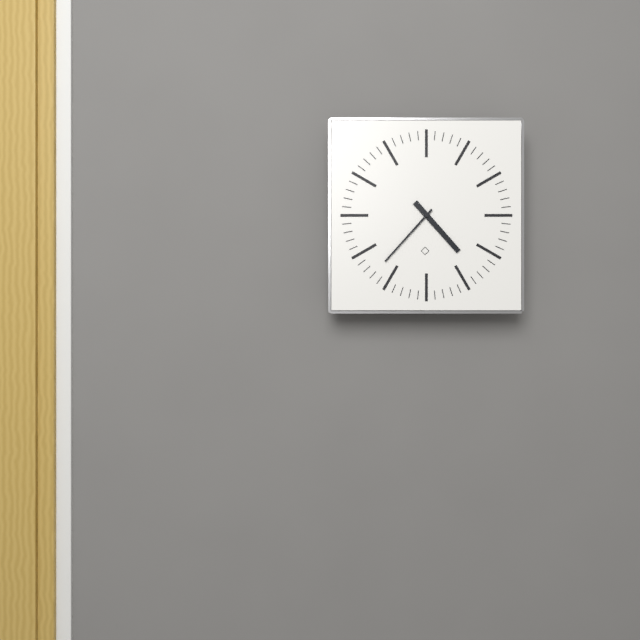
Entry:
4h37
